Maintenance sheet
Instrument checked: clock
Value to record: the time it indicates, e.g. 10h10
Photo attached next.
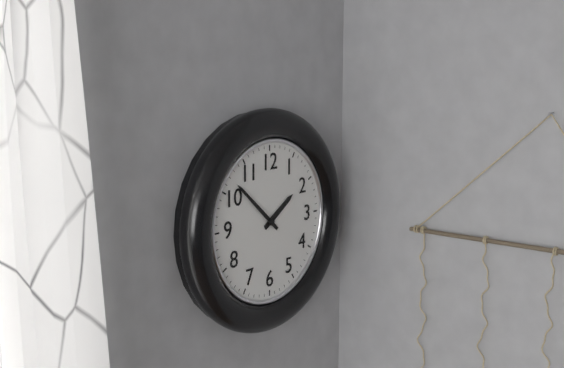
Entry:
1h52
